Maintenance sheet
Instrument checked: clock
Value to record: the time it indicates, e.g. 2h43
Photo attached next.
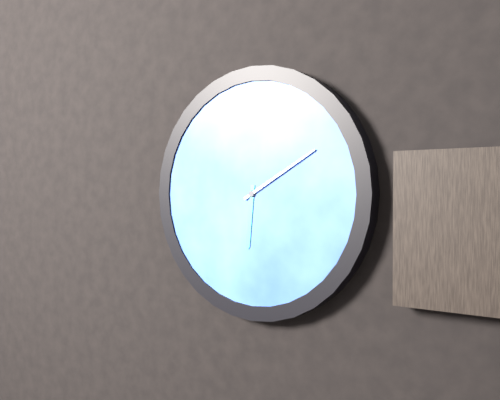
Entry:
6h10
